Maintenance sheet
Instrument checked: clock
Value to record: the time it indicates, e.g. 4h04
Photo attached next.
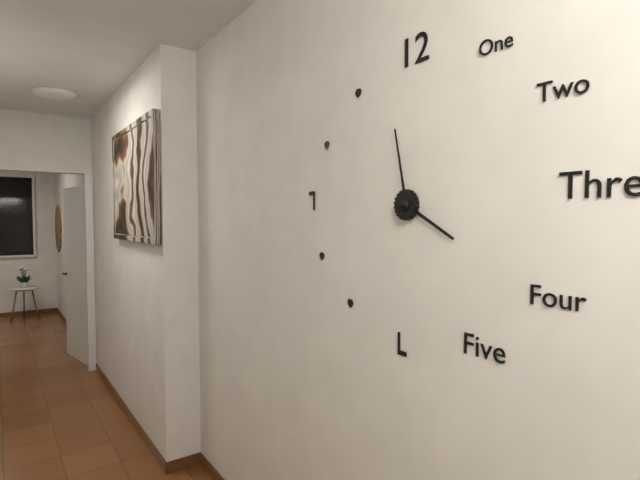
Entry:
3h58
